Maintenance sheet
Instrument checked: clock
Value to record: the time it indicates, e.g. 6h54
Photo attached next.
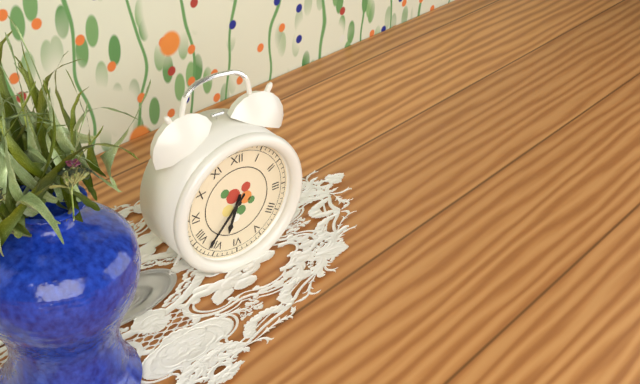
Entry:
6h37
